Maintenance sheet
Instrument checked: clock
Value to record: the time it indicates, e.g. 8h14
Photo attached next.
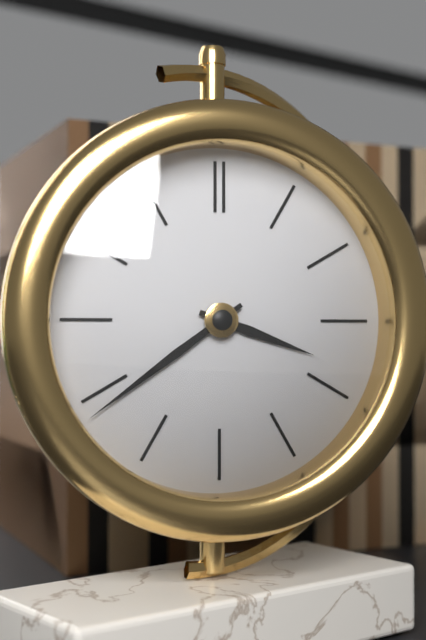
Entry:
3h39
